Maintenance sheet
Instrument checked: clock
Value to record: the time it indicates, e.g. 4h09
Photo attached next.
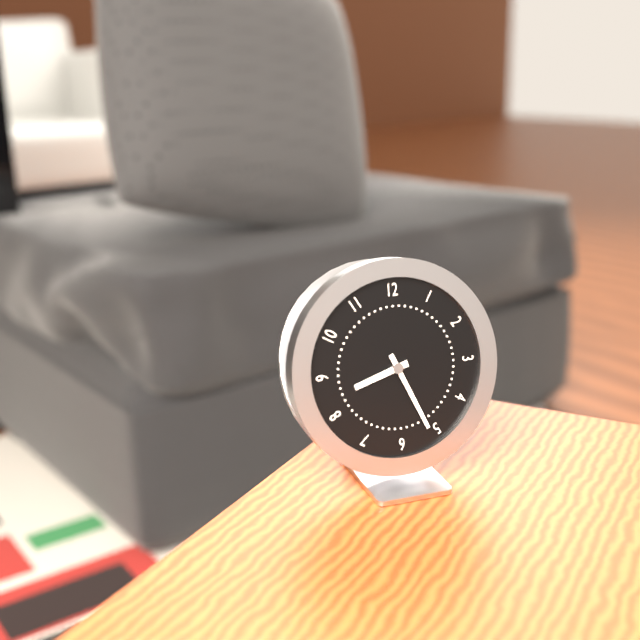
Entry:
8h26
